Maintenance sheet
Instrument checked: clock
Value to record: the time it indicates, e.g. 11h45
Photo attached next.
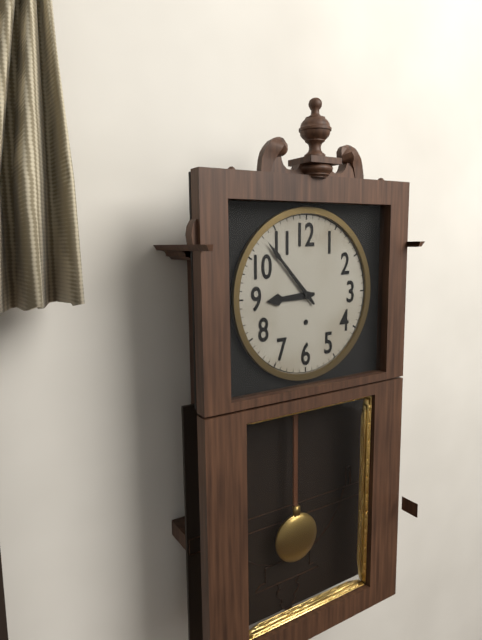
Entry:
8h53
